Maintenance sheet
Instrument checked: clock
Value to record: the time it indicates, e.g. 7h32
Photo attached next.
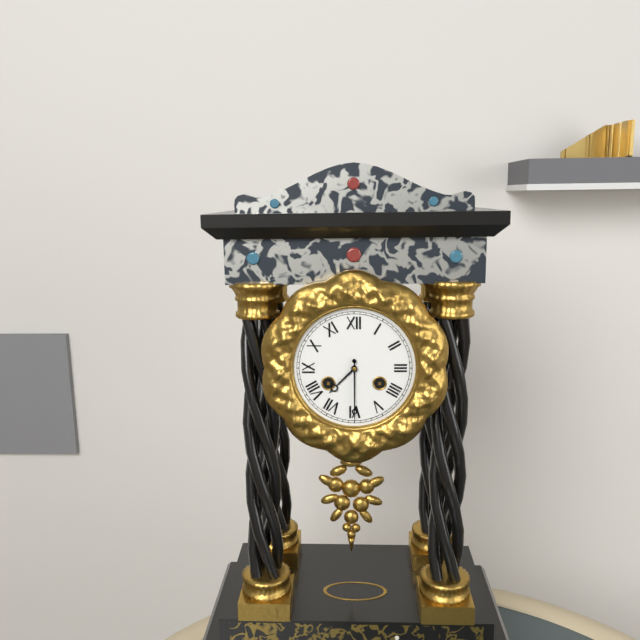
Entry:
7h30
